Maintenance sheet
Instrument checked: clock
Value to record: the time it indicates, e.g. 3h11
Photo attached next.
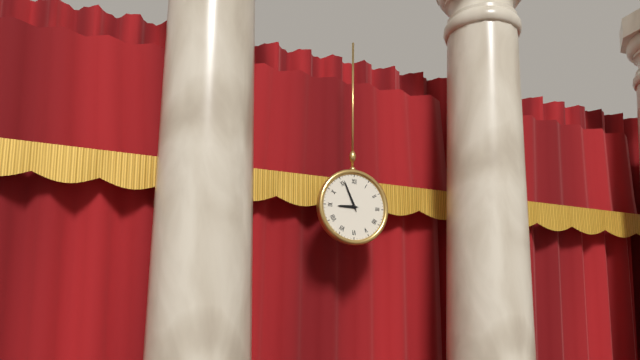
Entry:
8h56
